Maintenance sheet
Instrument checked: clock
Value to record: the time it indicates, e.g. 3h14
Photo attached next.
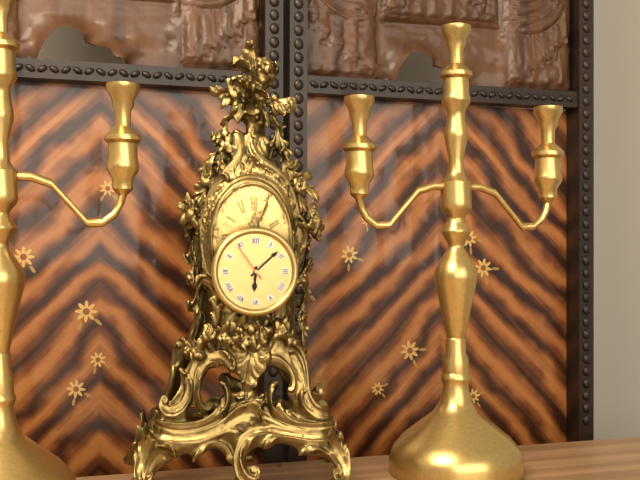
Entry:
6h08
